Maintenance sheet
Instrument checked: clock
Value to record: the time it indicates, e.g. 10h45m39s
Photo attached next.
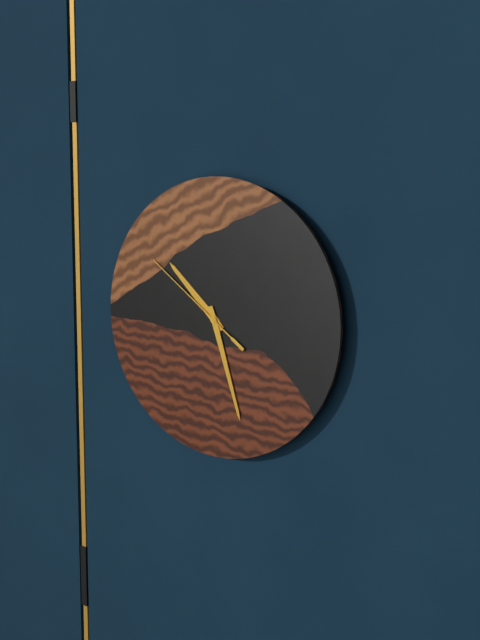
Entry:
10h27m51s
